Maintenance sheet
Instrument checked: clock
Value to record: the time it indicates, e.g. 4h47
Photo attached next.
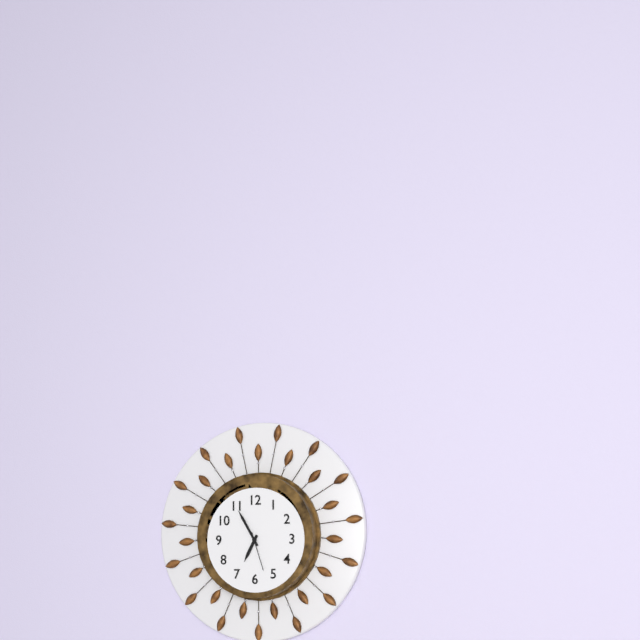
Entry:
6h55
